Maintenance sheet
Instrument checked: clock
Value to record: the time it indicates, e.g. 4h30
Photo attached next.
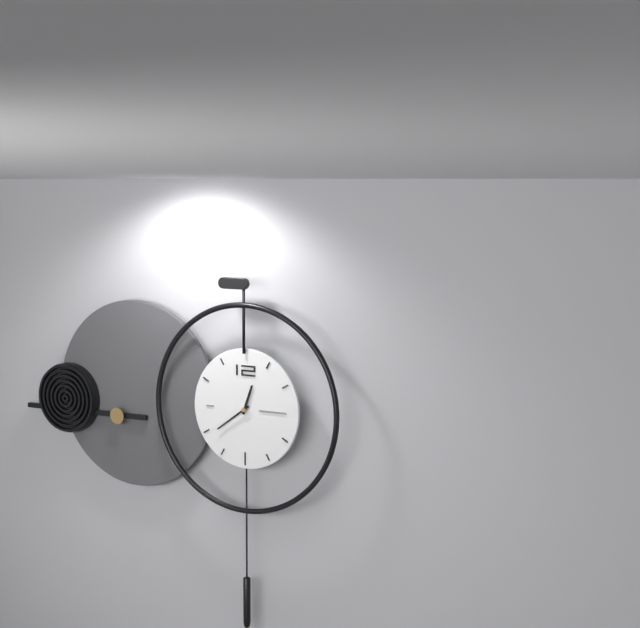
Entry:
12h39
